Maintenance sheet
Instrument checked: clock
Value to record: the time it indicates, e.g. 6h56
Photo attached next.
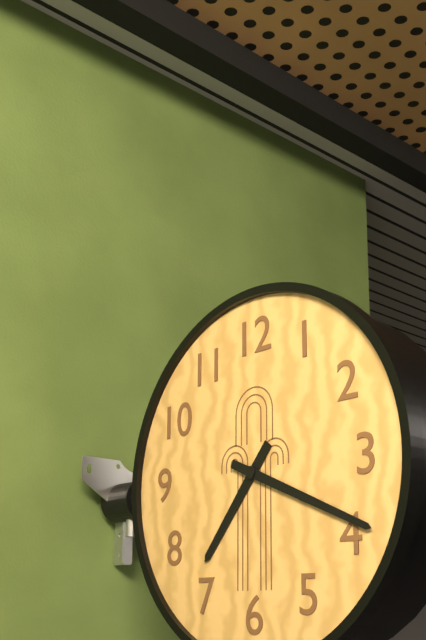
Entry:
7h19
